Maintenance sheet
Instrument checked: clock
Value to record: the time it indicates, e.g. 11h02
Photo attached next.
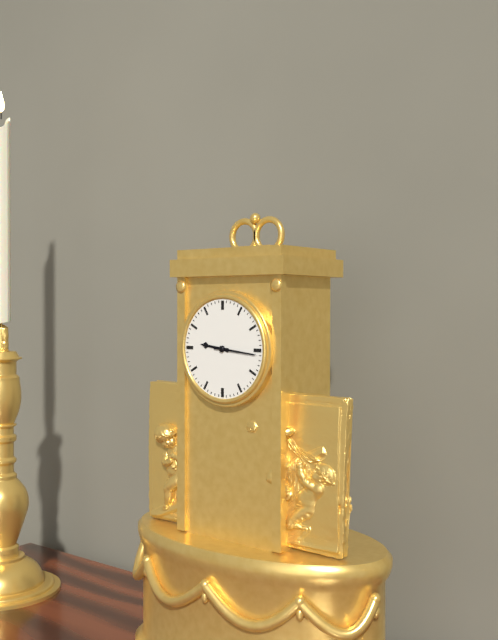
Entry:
9h16
